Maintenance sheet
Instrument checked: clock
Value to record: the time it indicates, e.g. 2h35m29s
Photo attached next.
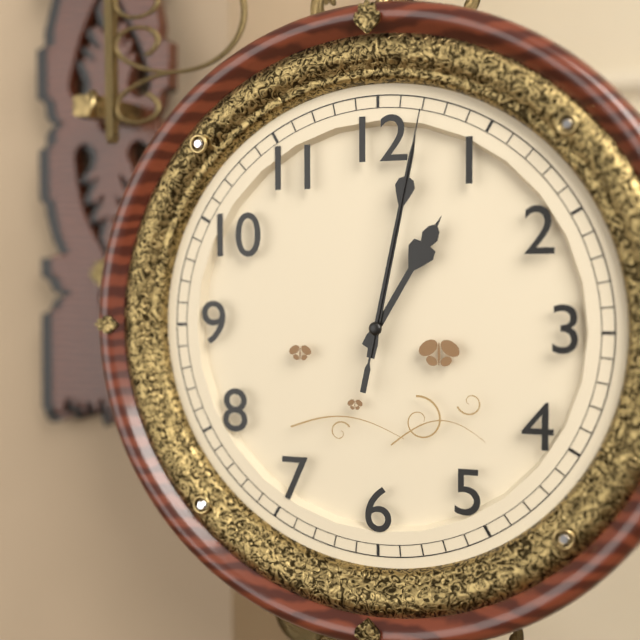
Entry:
1h02m02s
